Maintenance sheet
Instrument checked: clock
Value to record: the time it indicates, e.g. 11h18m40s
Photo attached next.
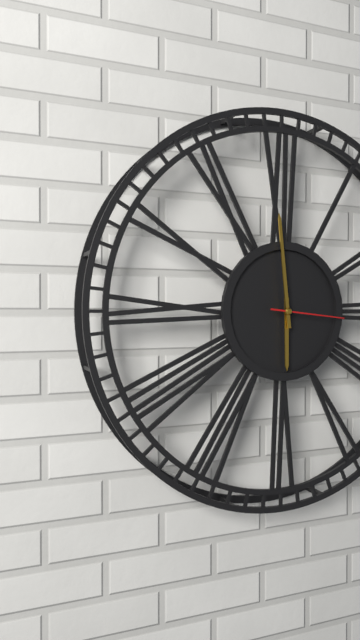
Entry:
5h59m16s
